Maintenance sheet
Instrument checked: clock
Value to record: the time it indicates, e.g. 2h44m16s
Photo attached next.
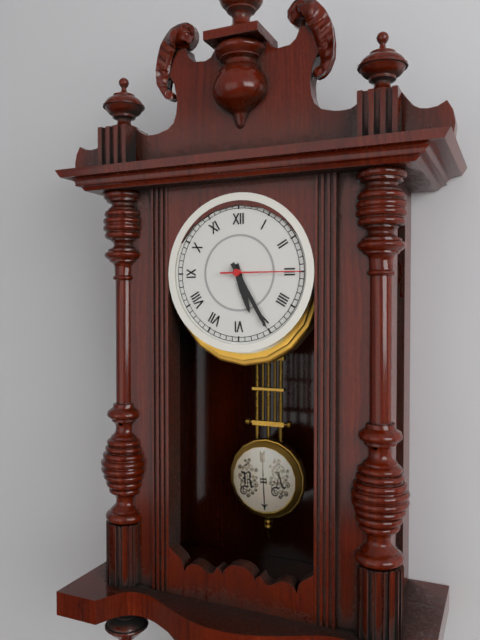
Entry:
5h25m15s
